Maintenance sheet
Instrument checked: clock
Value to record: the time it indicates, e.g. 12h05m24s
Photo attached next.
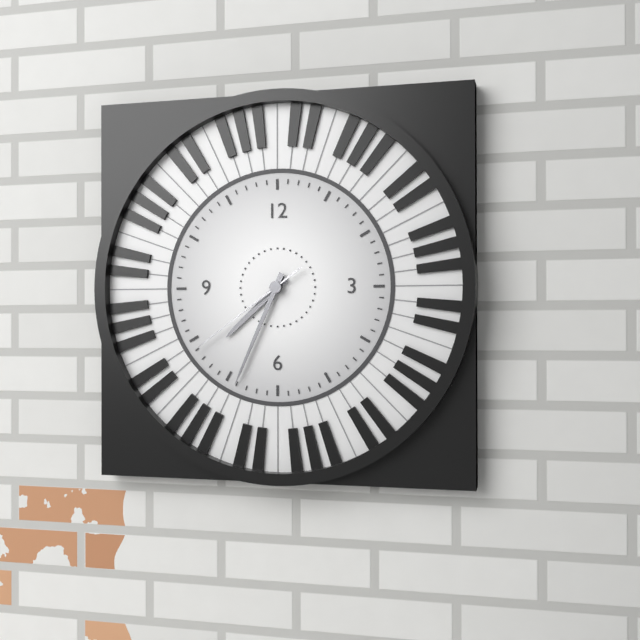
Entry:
7h34m39s
